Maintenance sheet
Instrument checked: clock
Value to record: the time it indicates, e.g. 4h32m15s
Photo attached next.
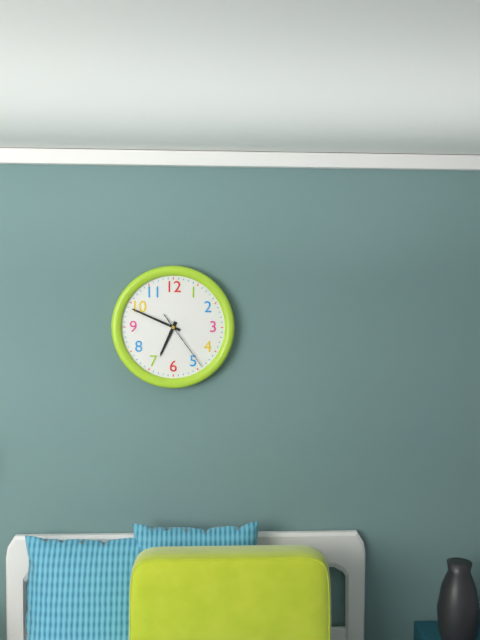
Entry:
6h49m24s
